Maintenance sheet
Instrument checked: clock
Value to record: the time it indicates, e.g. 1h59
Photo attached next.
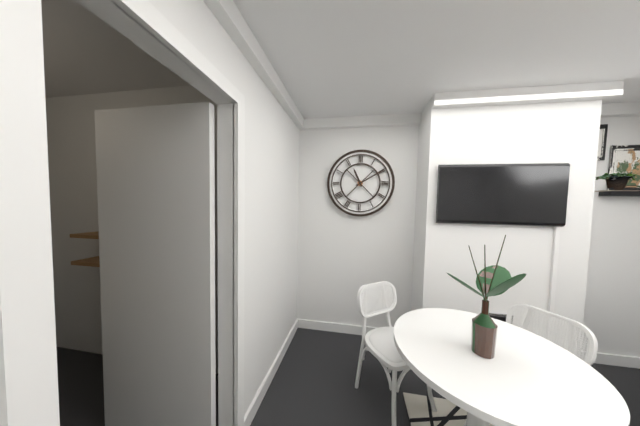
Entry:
11h10
